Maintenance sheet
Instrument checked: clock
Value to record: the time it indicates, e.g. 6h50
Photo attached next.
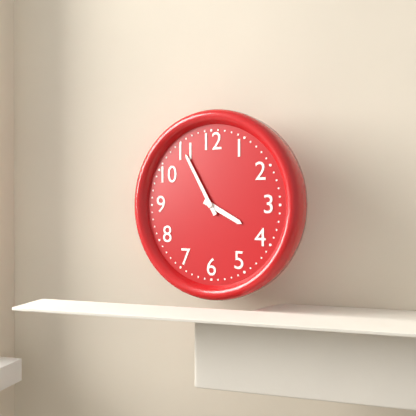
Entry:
3h55
